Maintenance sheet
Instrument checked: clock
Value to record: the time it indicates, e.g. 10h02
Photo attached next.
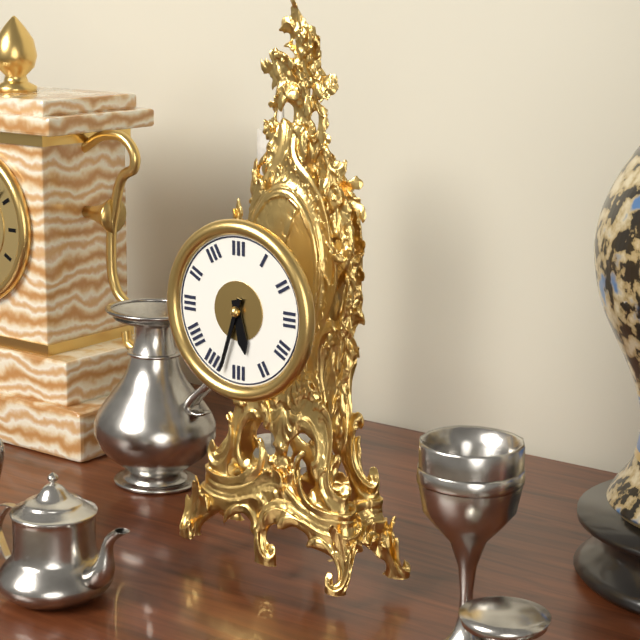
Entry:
5h33
